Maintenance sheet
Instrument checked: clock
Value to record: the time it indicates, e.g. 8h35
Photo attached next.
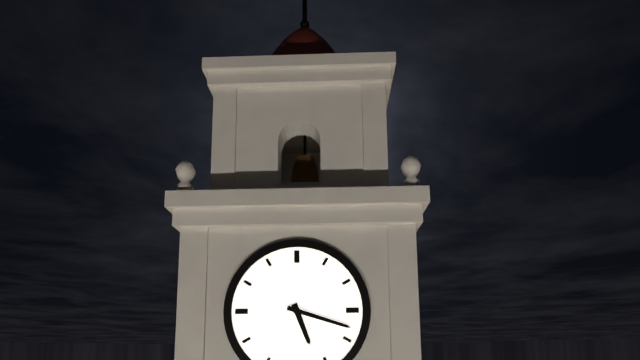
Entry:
5h18
